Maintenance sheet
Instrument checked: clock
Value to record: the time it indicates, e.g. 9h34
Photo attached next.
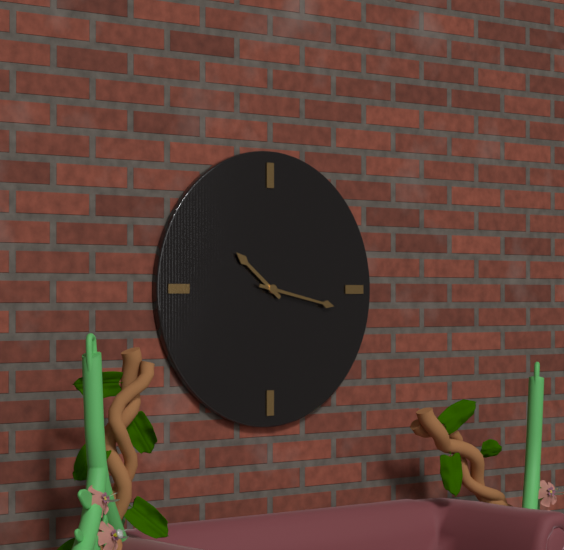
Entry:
10h17
